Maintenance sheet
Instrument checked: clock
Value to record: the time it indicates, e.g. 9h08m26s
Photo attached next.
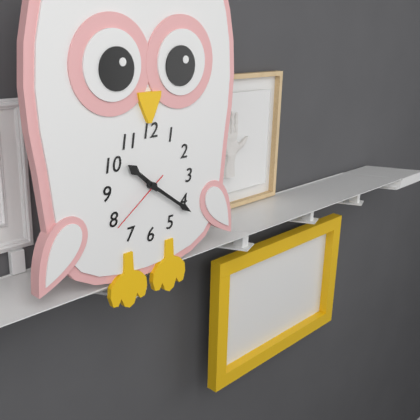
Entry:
10h21m39s
